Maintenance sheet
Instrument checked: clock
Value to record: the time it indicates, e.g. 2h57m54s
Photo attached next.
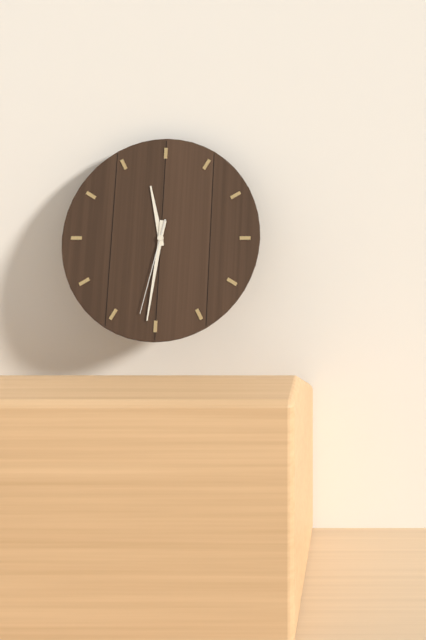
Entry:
11h31m32s
